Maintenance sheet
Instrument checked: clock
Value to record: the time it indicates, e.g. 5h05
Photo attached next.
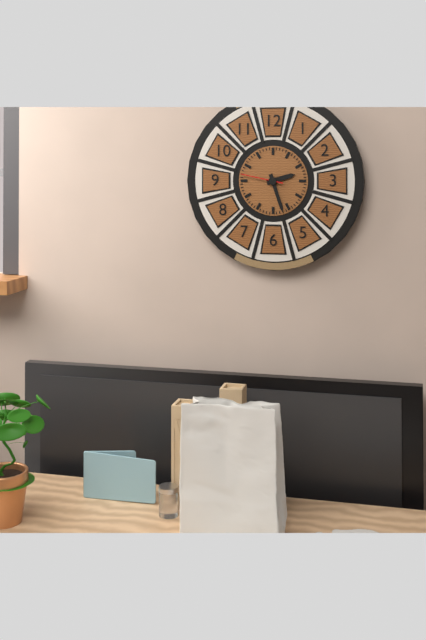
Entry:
2h27
